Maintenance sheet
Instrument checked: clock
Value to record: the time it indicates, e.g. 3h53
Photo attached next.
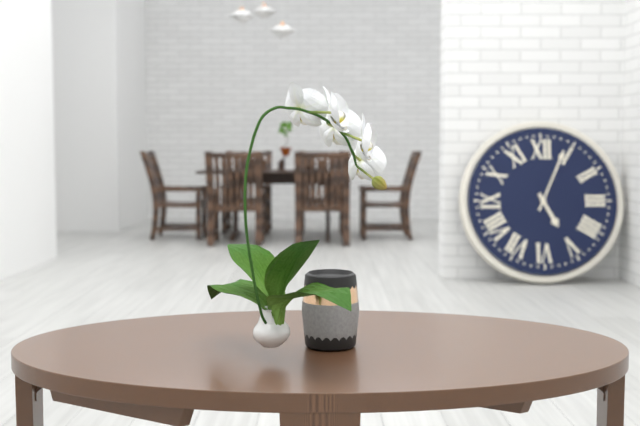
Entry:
5h04
